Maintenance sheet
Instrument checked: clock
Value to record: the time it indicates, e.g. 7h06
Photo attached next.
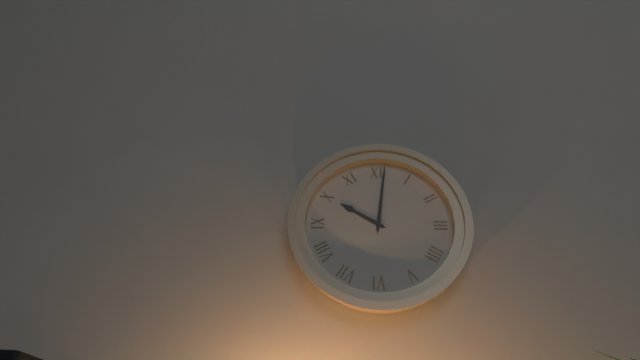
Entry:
10h01
